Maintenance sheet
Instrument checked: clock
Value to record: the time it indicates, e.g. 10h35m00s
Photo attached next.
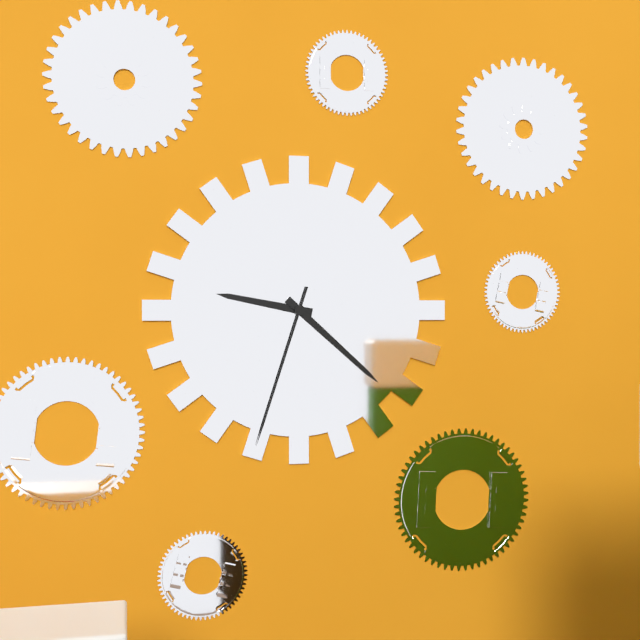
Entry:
9h22m33s
